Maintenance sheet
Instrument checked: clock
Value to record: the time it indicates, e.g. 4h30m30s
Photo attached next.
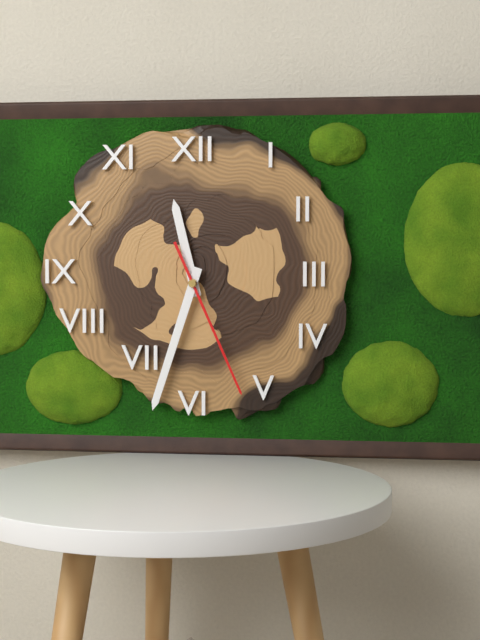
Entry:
11h33m26s
